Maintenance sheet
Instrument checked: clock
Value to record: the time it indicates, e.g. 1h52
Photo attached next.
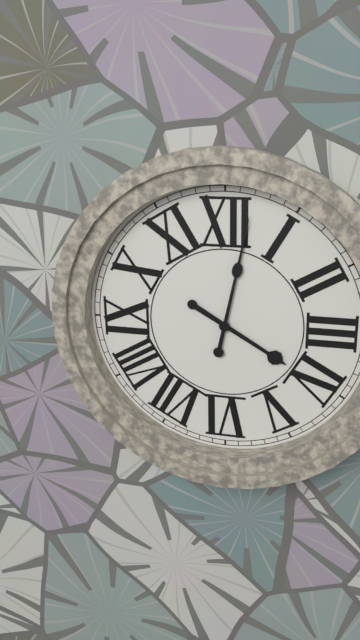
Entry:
4h02
